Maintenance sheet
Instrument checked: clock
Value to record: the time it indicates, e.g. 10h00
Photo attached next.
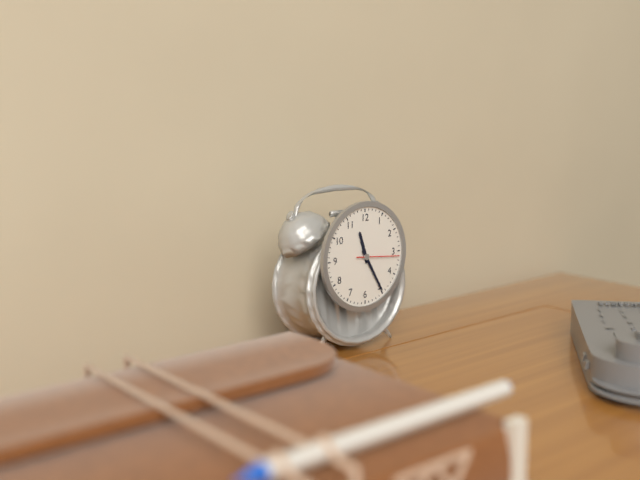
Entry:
11h25
